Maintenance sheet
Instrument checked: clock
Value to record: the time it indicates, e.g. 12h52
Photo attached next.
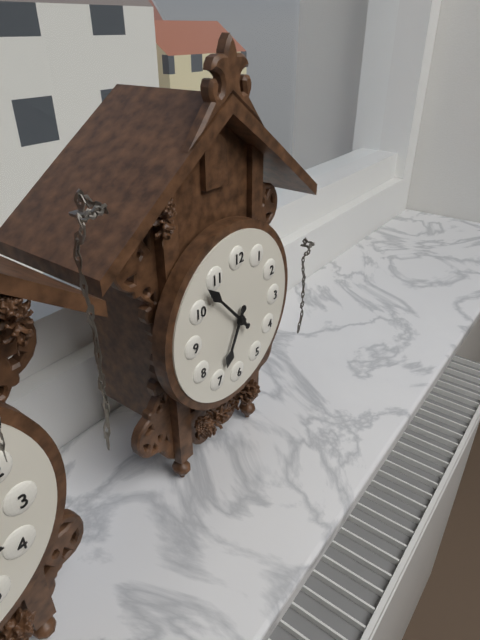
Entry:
6h53
